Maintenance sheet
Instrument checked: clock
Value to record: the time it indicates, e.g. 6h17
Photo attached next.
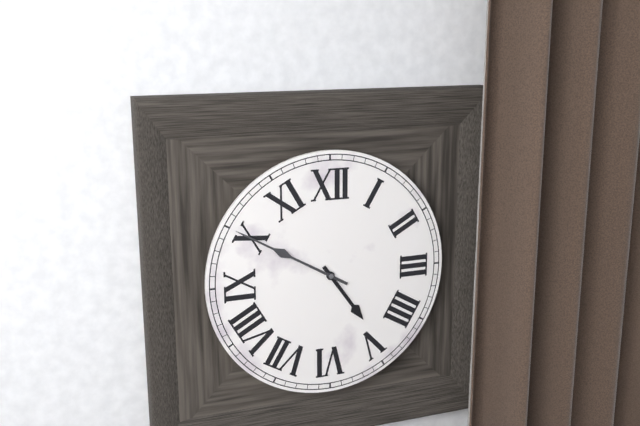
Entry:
4h50
